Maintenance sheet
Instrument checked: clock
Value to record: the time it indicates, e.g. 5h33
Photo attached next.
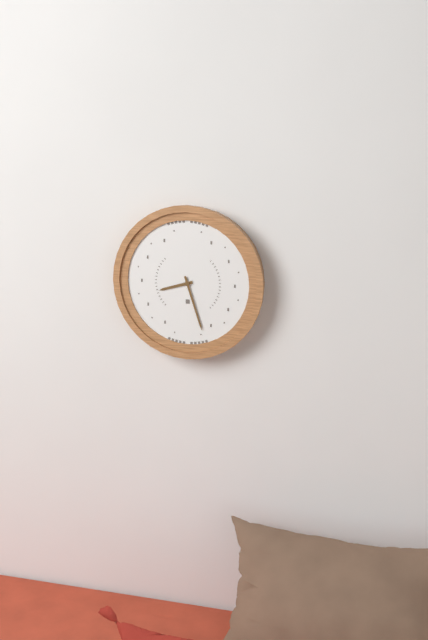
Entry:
8h27
